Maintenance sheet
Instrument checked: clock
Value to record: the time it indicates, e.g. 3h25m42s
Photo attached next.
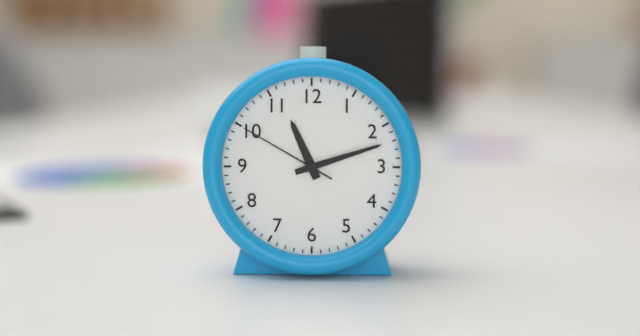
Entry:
11h12m50s
